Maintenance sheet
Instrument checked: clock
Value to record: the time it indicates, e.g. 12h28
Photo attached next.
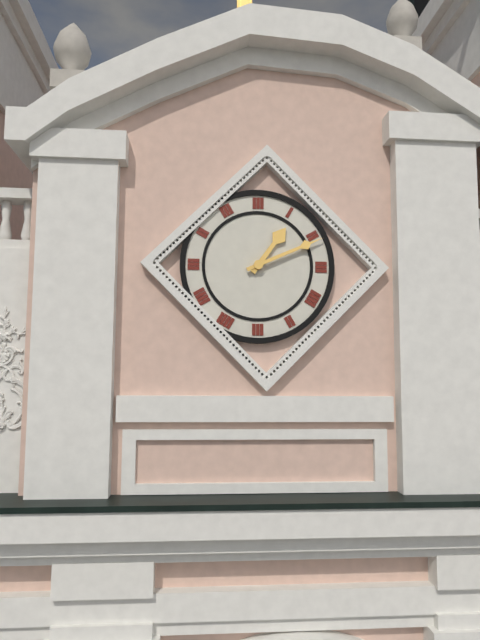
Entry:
1h11
